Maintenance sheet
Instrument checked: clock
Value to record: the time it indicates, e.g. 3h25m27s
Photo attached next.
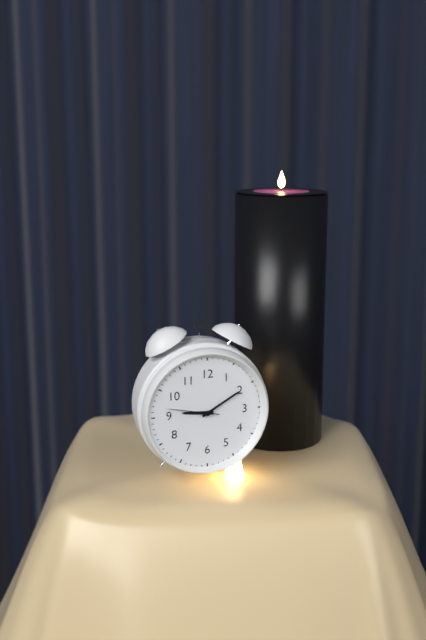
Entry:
9h10m47s
